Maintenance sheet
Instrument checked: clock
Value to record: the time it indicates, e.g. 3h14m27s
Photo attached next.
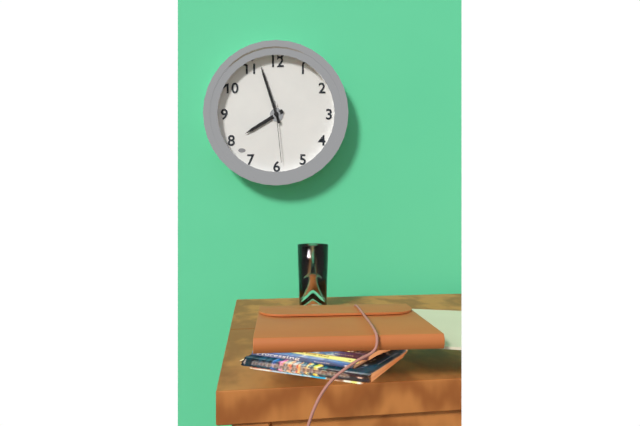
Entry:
7h57m29s
